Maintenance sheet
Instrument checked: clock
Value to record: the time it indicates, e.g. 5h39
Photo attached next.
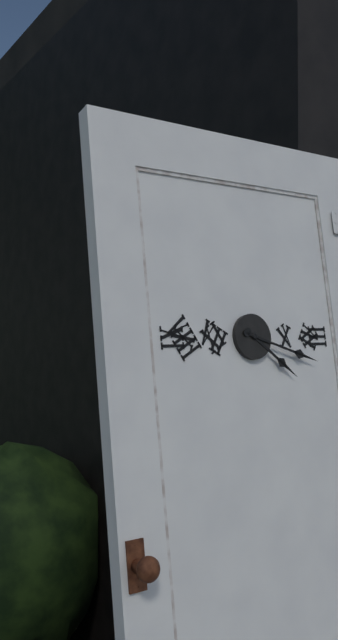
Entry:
4h18
